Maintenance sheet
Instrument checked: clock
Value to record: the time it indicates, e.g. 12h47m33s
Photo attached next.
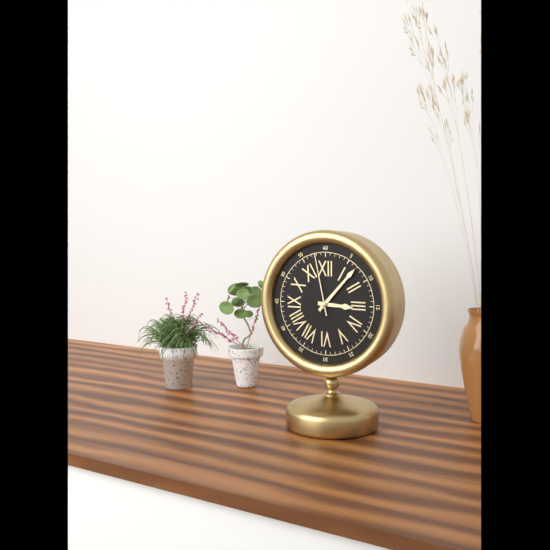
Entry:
3h07m58s
